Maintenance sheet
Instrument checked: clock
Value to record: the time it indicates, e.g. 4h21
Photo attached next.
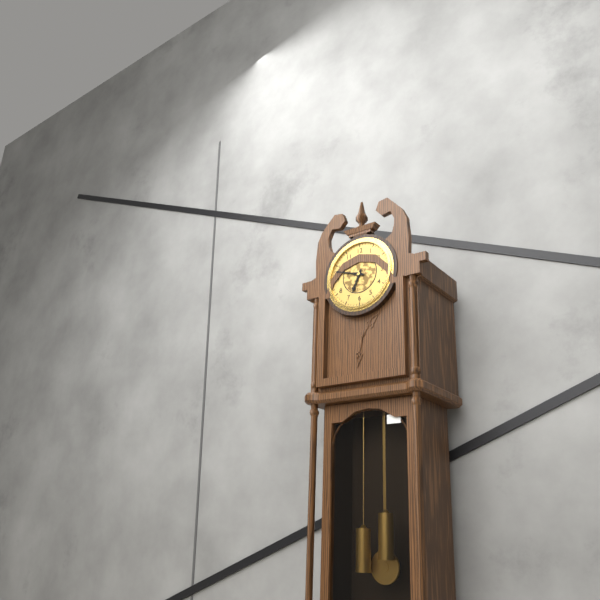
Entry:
6h48
